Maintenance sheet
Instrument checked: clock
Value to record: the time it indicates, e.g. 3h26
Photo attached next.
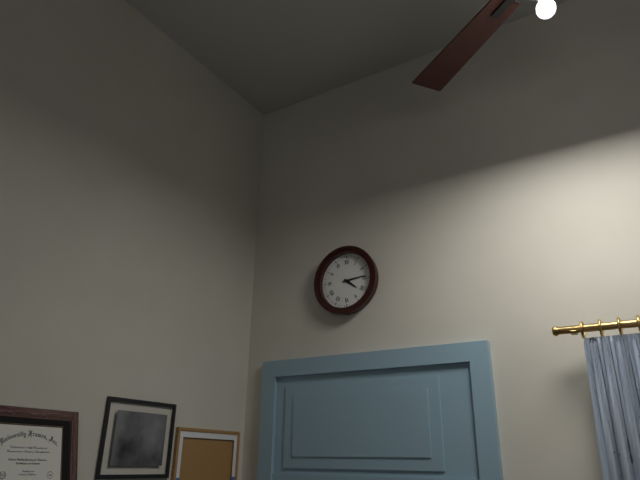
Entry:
4h14
